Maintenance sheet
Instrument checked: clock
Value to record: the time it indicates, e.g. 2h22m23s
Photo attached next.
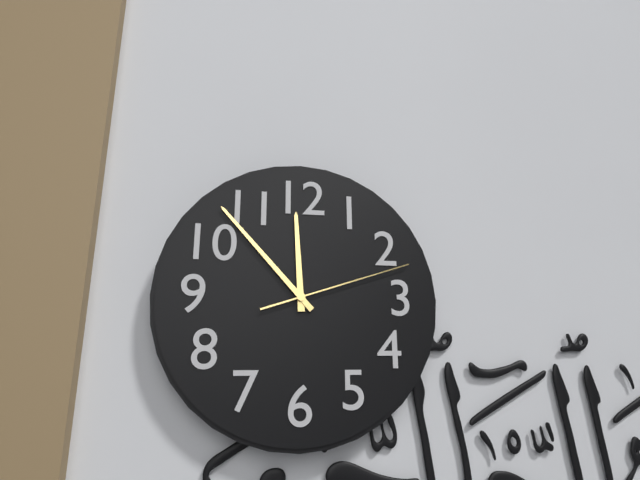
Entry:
11h53m12s
